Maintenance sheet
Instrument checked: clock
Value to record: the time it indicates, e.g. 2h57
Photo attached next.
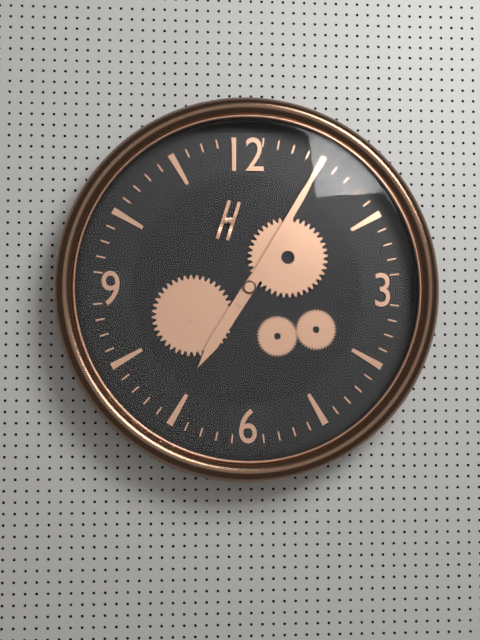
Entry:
7h05
